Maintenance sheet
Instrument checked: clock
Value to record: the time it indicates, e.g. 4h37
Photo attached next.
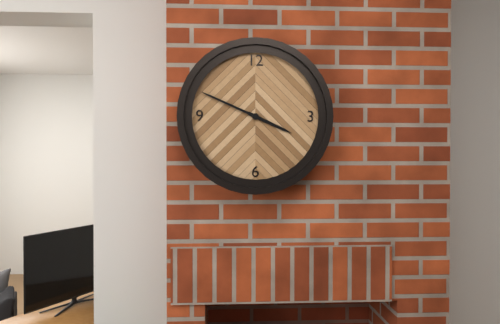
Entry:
3h49
